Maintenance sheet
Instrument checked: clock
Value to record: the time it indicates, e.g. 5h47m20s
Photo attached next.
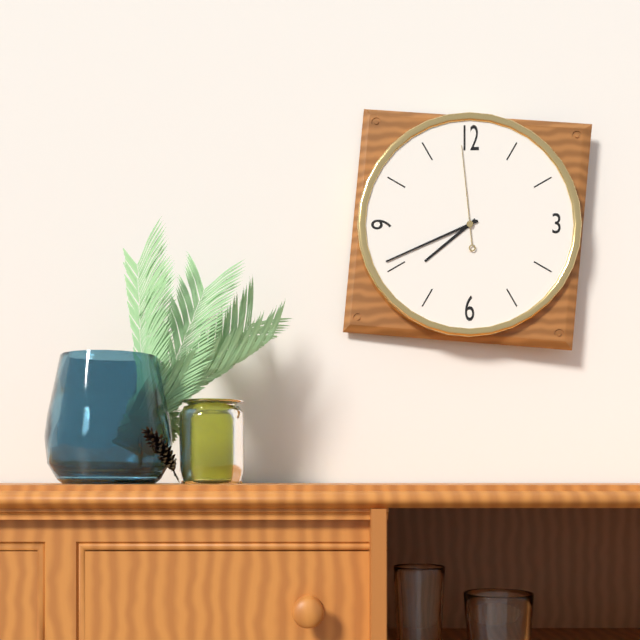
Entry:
7h41m59s
